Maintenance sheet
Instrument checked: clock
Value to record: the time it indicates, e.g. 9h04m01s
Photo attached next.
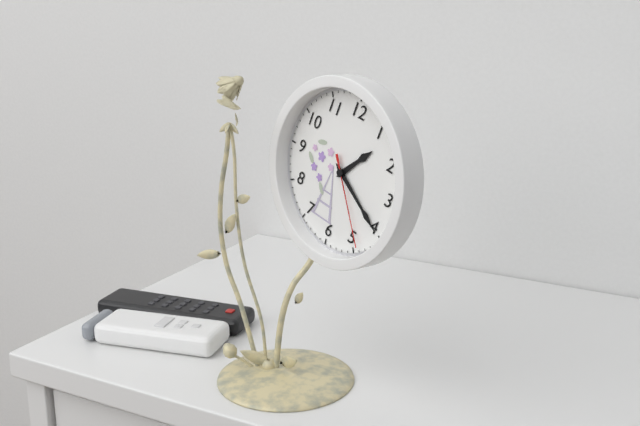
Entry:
1h20m24s
